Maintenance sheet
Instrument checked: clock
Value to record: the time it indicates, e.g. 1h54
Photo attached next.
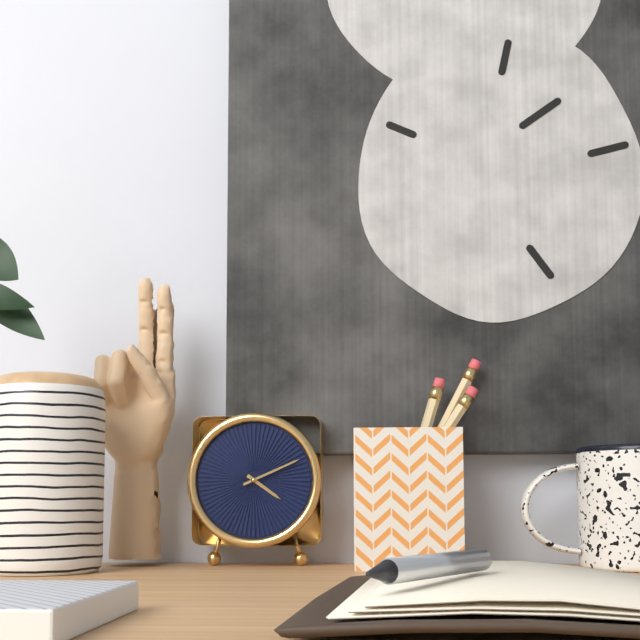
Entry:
4h11
